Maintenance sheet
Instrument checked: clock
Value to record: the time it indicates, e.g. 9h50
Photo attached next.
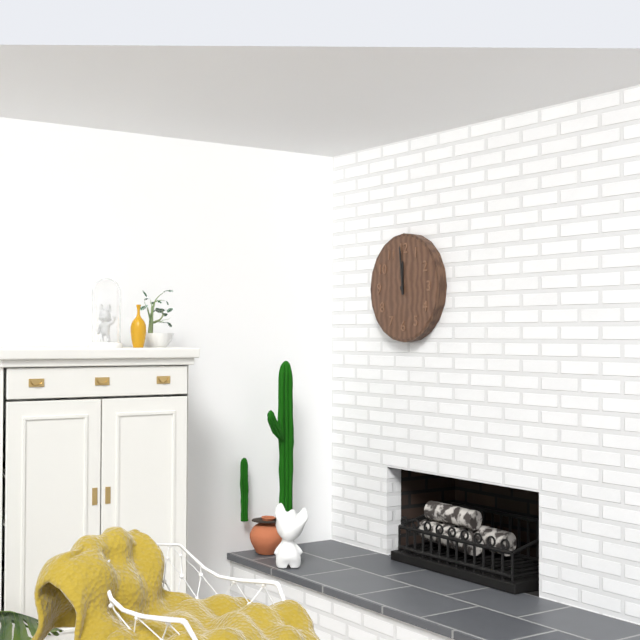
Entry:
11h59
